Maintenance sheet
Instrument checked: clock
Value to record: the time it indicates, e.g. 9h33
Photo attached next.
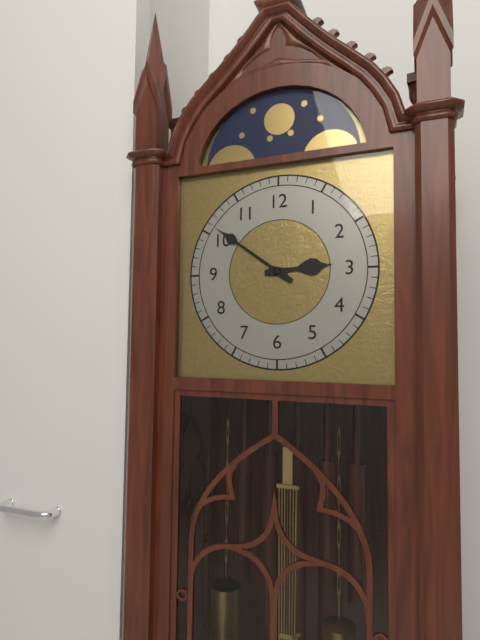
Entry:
2h51
